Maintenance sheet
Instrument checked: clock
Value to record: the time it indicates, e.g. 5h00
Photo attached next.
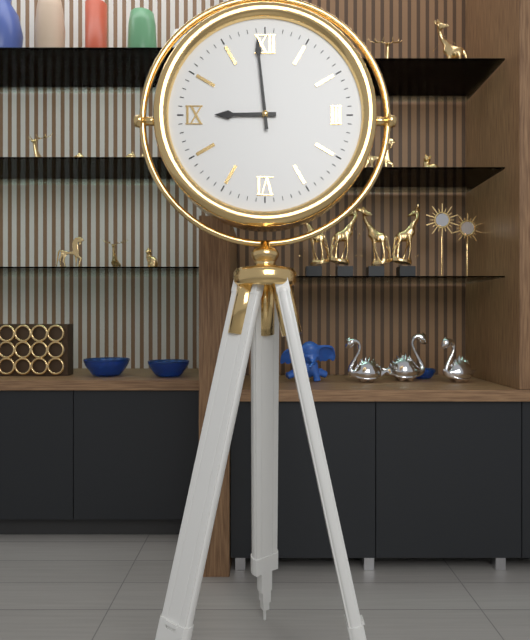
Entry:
8h59
